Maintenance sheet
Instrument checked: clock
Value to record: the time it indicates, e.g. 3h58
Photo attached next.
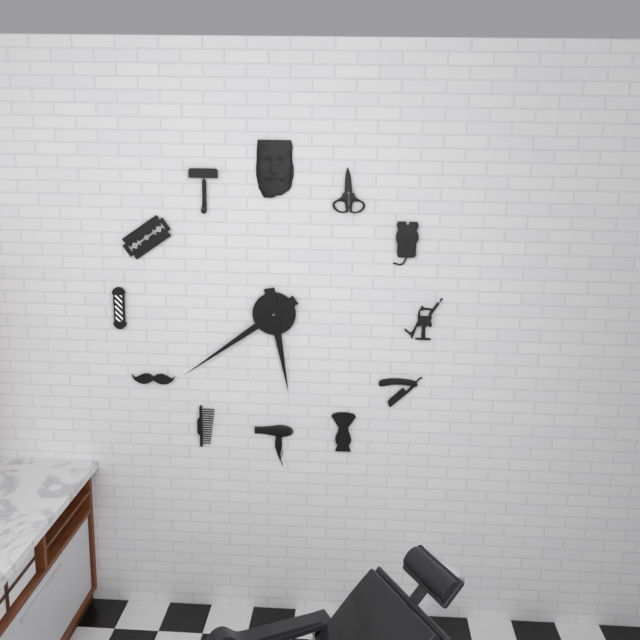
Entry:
5h39
